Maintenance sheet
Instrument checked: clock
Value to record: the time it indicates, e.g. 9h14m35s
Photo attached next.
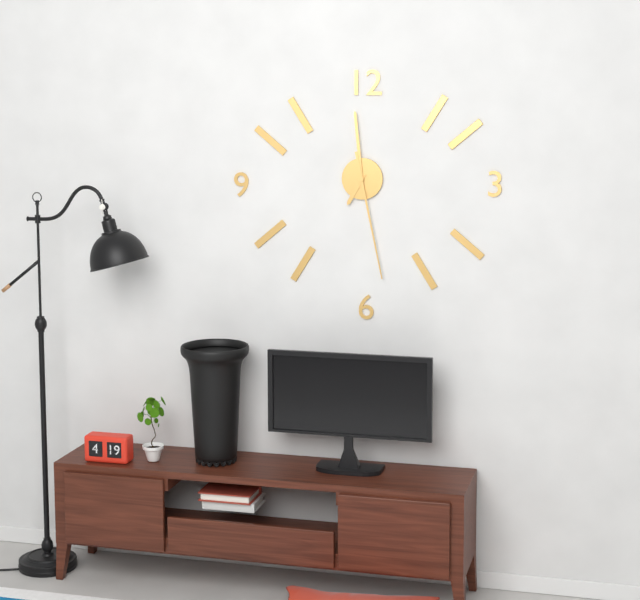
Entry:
6h59m28s
